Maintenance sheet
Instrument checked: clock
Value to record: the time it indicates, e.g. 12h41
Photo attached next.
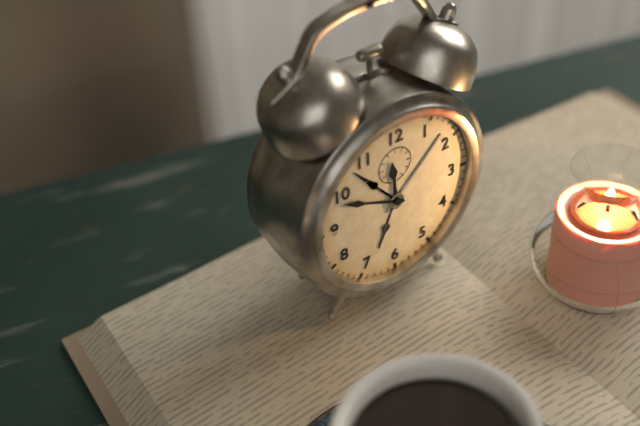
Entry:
11h49
